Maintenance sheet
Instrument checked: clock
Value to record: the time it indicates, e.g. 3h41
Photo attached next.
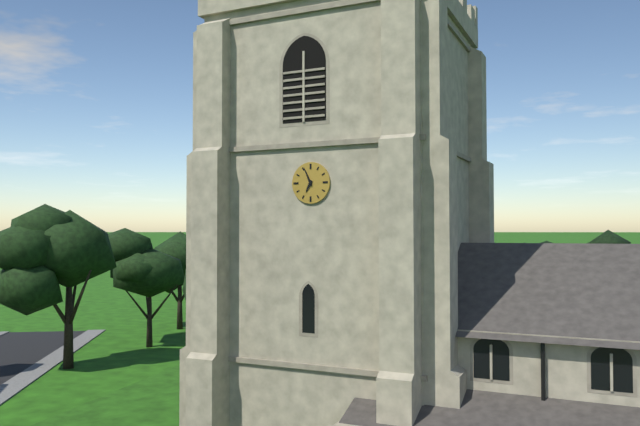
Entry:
6h56
